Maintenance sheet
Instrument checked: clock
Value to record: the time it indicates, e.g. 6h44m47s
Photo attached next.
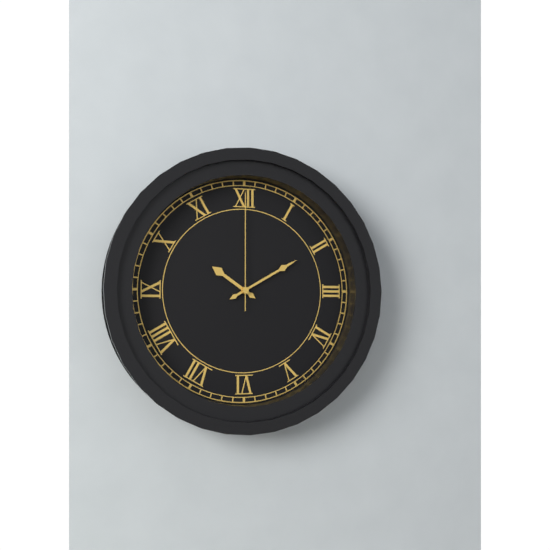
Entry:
10h10m00s
